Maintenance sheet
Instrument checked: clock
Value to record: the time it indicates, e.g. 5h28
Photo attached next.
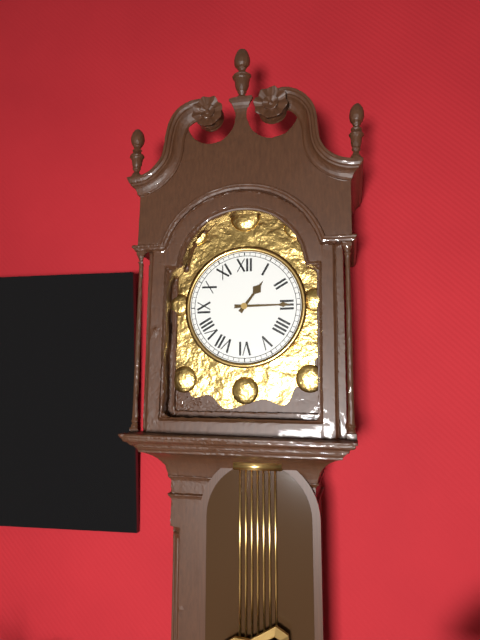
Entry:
1h15
